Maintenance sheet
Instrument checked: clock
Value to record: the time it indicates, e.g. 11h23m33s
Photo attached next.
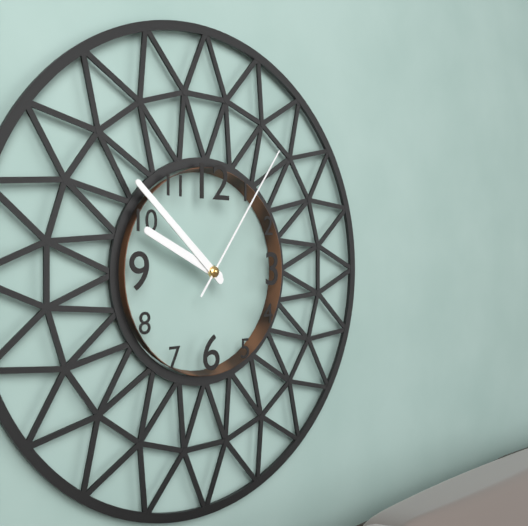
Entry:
9h52m06s
